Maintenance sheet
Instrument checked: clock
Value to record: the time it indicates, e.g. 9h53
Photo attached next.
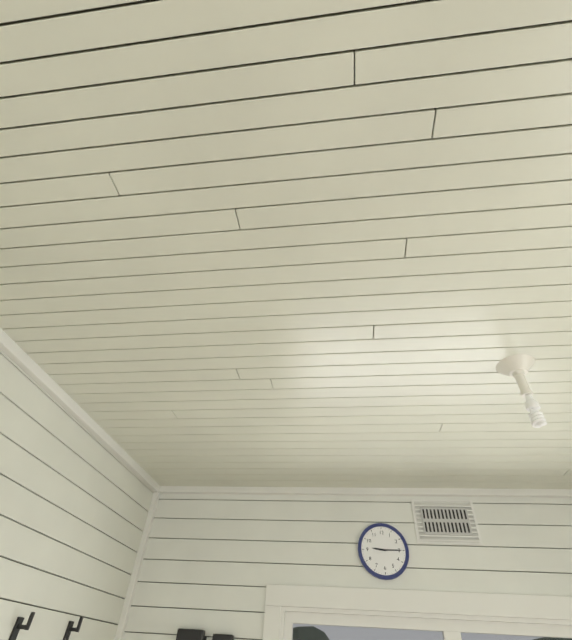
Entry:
9h15
